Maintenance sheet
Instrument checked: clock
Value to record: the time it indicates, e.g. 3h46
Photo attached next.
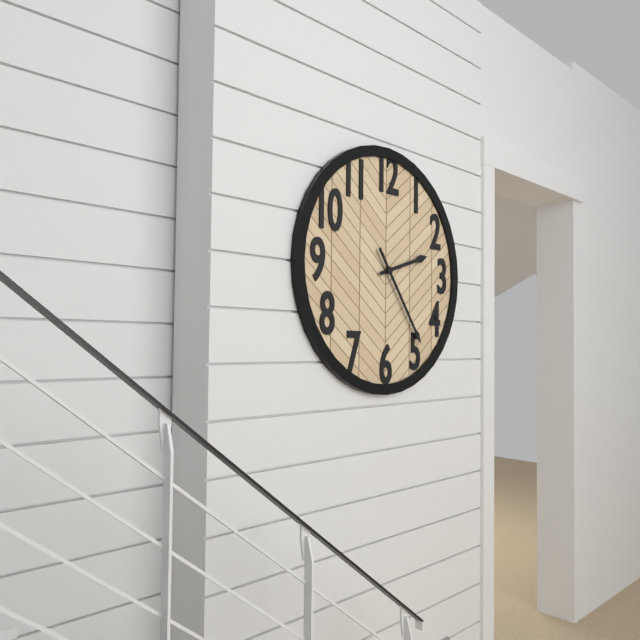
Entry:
2h24
